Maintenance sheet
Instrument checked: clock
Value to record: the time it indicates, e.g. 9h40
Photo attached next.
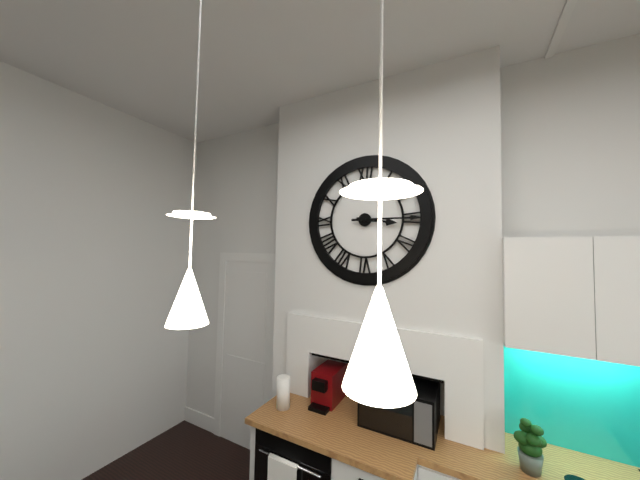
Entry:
3h15
